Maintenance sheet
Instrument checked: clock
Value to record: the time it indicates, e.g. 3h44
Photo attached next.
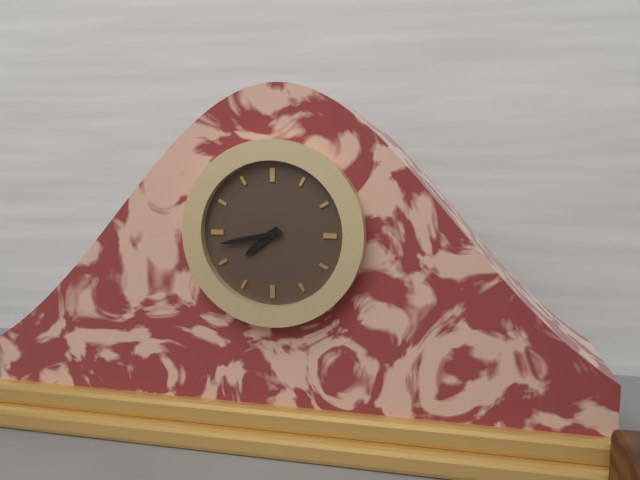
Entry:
7h43
